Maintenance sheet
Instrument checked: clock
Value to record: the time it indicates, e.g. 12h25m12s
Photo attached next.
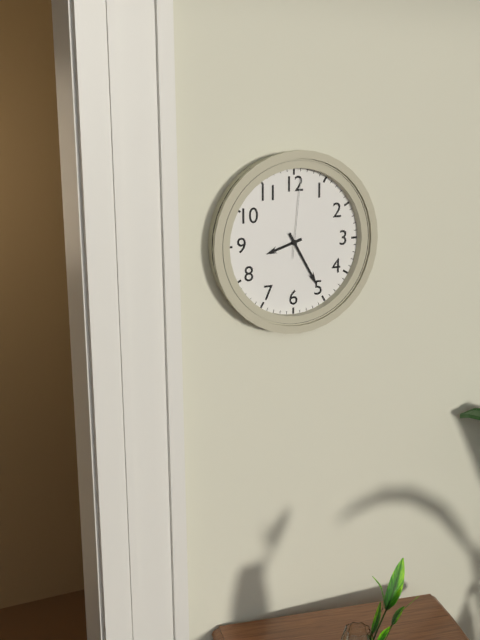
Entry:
8h25m01s
